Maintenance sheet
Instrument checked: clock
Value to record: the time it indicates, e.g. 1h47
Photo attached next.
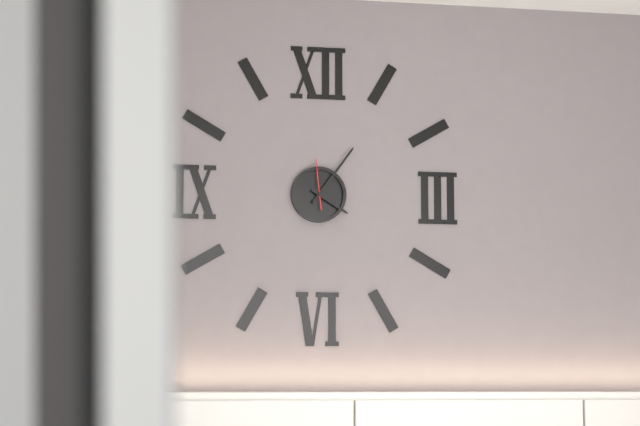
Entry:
4h06
